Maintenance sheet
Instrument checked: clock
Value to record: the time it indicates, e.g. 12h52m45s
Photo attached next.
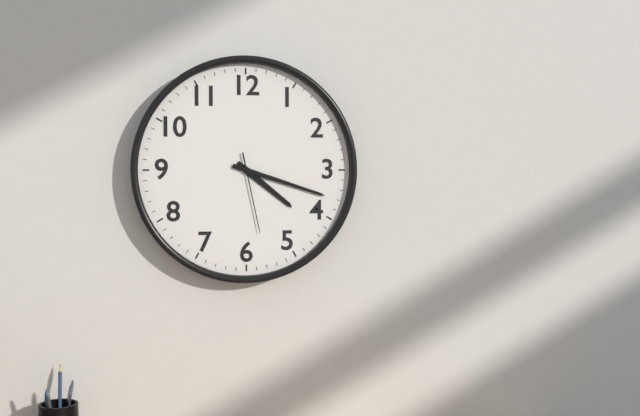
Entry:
4h18m28s
